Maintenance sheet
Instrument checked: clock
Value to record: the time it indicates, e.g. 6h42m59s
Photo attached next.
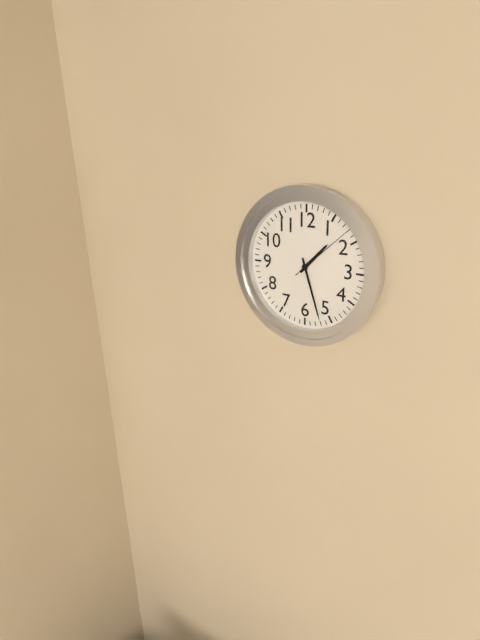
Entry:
1h27m08s
